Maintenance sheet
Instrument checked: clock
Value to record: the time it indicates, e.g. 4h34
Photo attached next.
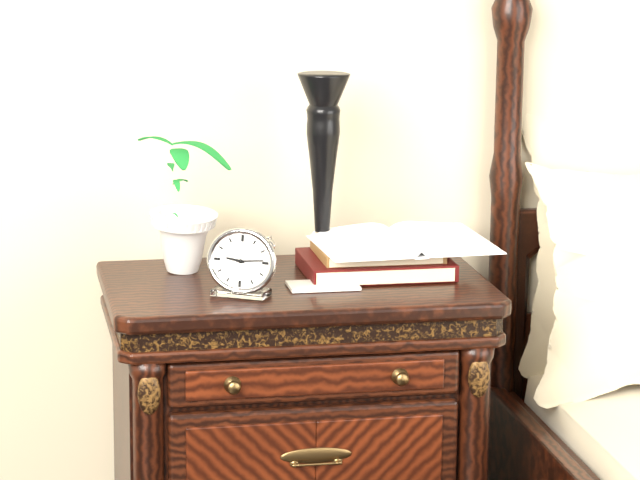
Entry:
9h14
